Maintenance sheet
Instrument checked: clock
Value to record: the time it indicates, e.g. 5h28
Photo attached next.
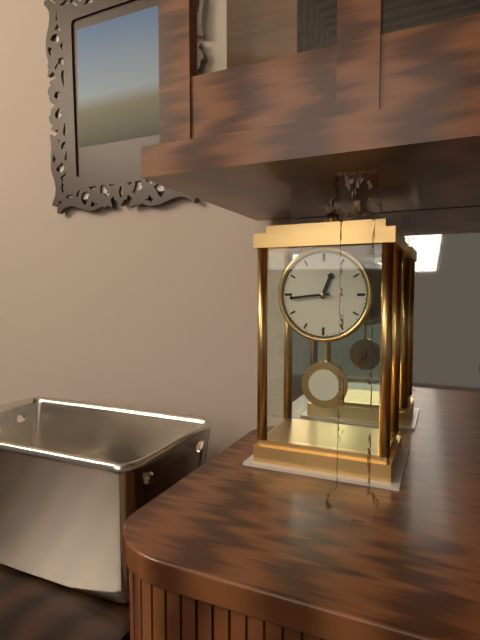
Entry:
12h44
